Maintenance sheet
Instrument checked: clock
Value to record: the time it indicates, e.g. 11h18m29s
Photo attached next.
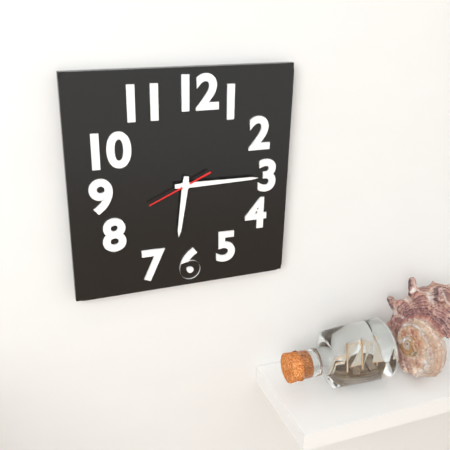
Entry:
6h15m41s
